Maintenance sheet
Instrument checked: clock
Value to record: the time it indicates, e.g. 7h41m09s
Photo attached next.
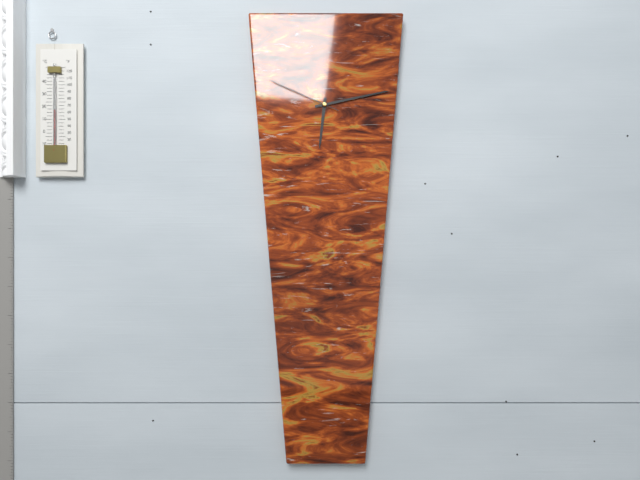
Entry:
6h13m49s
